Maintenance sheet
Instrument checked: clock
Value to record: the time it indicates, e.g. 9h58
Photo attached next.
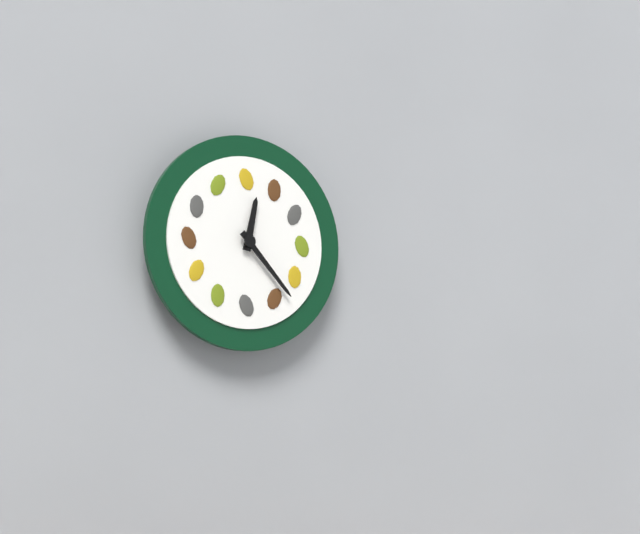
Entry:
12h23
